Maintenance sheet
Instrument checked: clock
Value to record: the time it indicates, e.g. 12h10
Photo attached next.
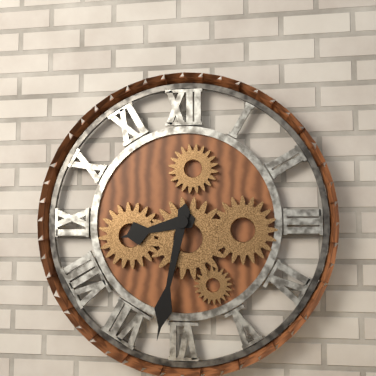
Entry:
8h32
